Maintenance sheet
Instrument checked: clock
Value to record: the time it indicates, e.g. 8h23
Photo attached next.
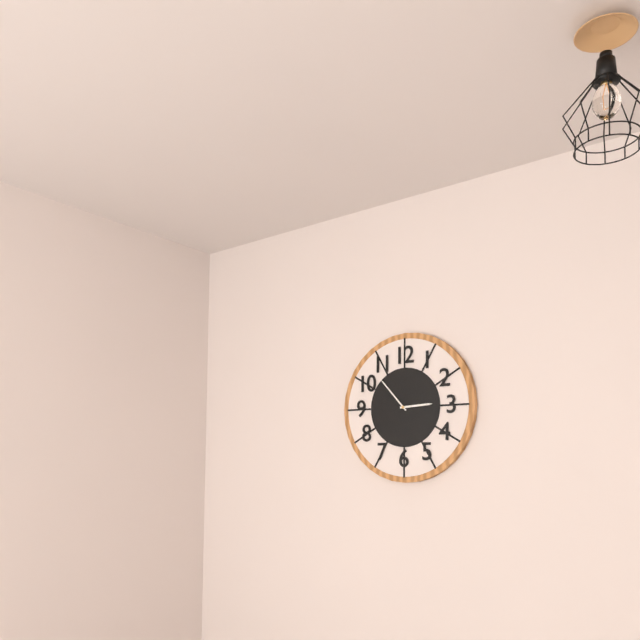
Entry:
2h53
